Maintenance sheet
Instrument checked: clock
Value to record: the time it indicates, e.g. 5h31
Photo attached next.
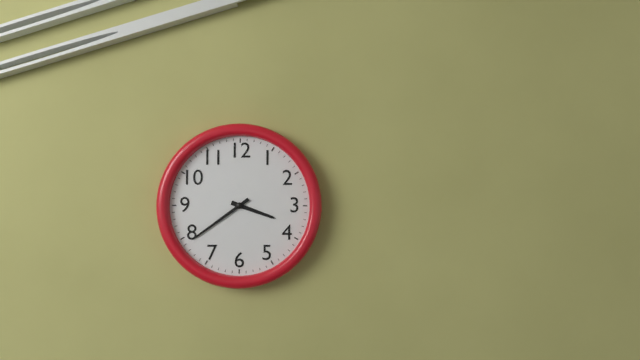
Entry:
3h39
